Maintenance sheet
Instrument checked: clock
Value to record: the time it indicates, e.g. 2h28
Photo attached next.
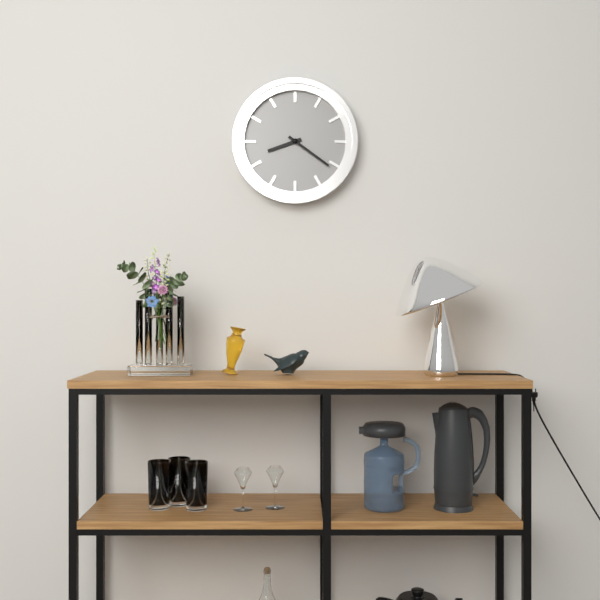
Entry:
8h21
